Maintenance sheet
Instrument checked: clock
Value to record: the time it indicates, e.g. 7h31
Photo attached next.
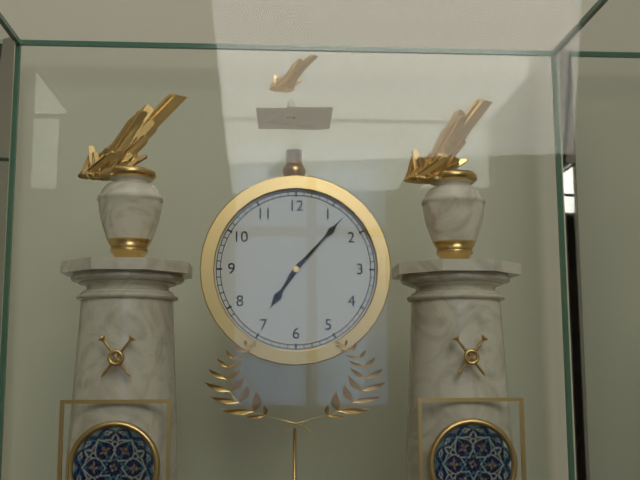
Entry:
7h07
